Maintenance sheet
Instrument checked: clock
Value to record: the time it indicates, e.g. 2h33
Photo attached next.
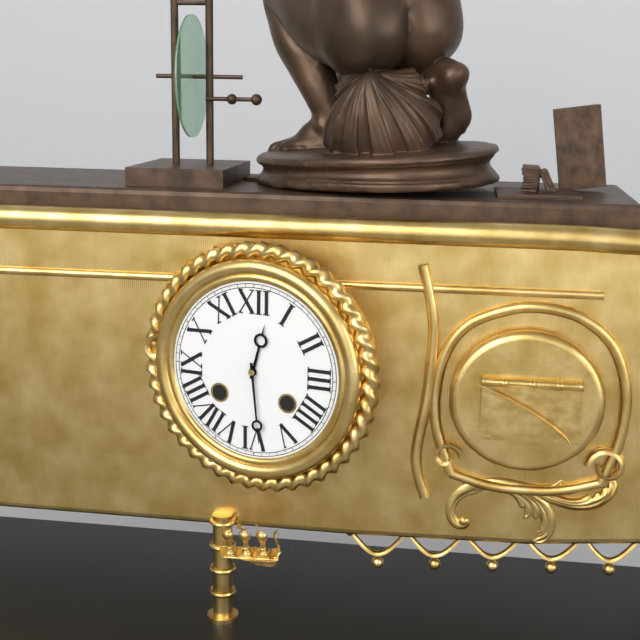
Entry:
12h29
